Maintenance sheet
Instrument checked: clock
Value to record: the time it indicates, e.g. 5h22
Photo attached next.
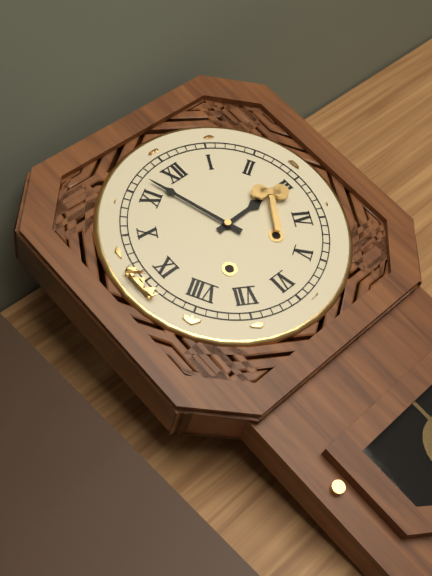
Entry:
2h57
